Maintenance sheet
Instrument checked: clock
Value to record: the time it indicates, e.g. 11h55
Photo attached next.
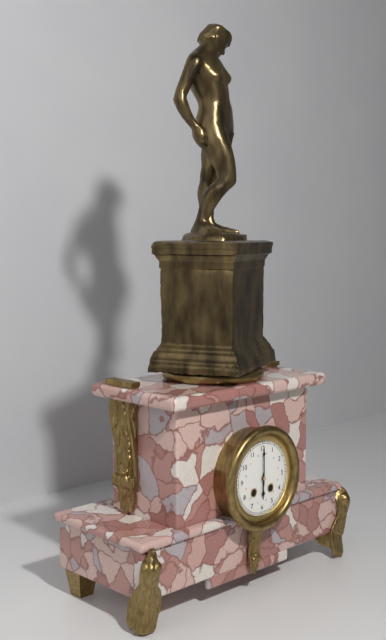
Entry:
6h00
